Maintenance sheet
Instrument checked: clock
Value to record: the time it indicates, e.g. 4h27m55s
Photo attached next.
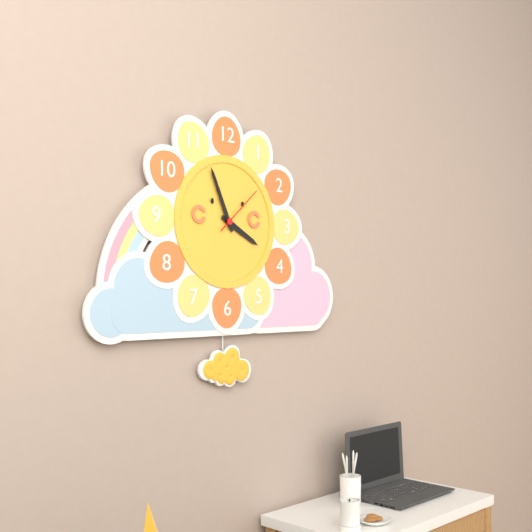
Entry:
3h56m08s
